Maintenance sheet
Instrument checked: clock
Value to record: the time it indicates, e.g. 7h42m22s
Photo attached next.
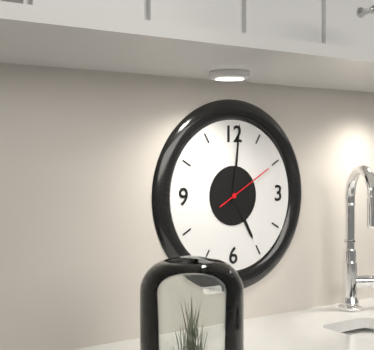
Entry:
5h01m10s
